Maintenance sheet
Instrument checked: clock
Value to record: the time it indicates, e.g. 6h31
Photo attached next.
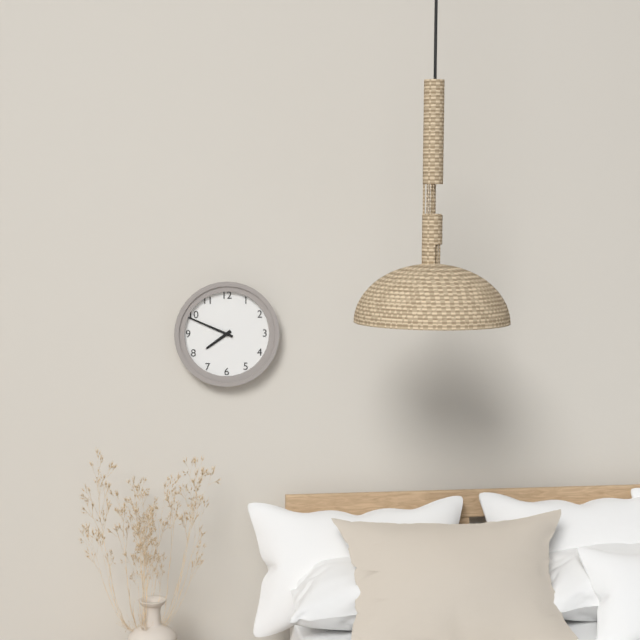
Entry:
7h49
